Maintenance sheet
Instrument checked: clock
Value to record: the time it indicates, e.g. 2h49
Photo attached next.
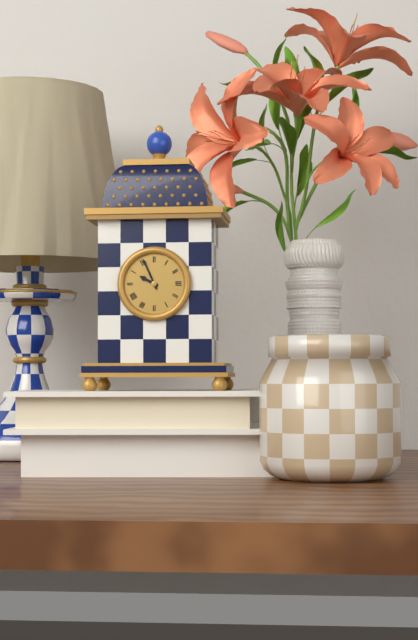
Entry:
9h56
